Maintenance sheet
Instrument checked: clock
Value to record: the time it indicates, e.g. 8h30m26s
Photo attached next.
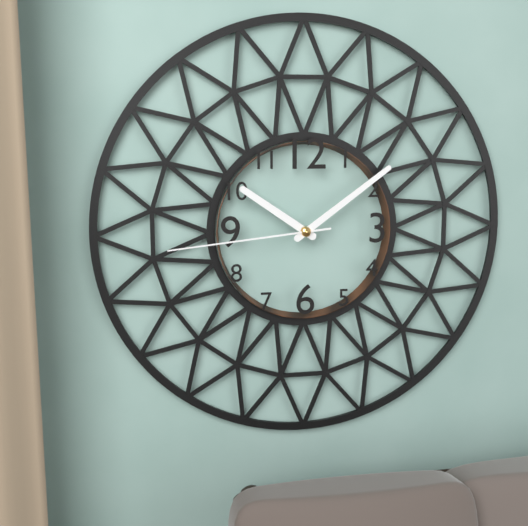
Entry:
10h09m44s
